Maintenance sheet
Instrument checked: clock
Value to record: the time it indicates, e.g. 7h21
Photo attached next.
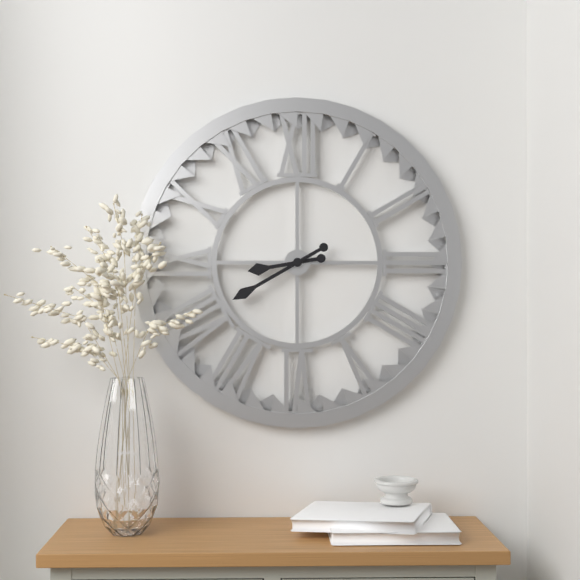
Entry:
8h40
